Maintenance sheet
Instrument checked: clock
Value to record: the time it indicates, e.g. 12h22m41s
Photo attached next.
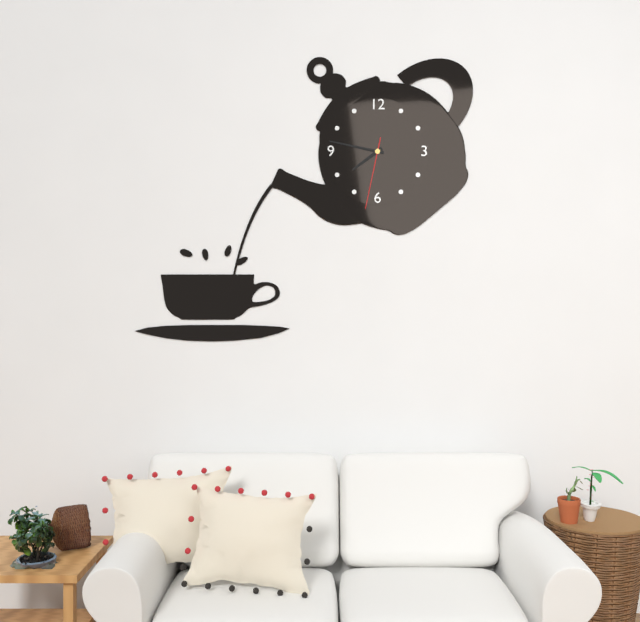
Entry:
7h47m32s
